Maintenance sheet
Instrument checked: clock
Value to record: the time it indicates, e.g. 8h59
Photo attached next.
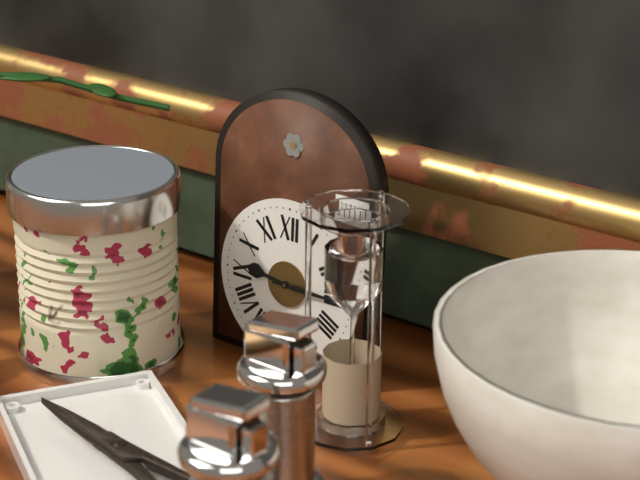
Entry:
9h15
